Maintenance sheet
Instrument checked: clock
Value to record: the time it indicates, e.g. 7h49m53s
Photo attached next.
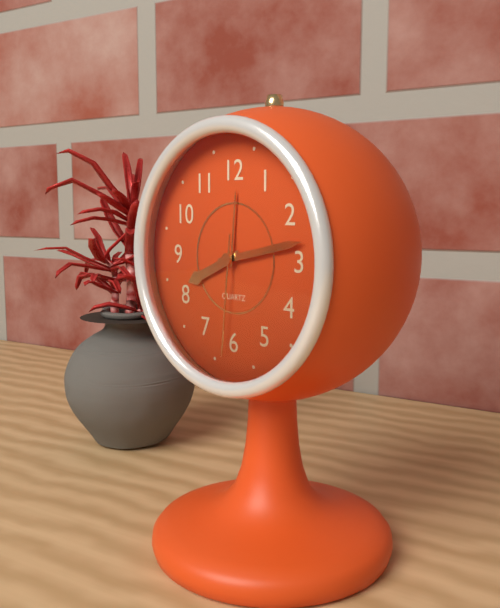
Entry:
8h13m31s
